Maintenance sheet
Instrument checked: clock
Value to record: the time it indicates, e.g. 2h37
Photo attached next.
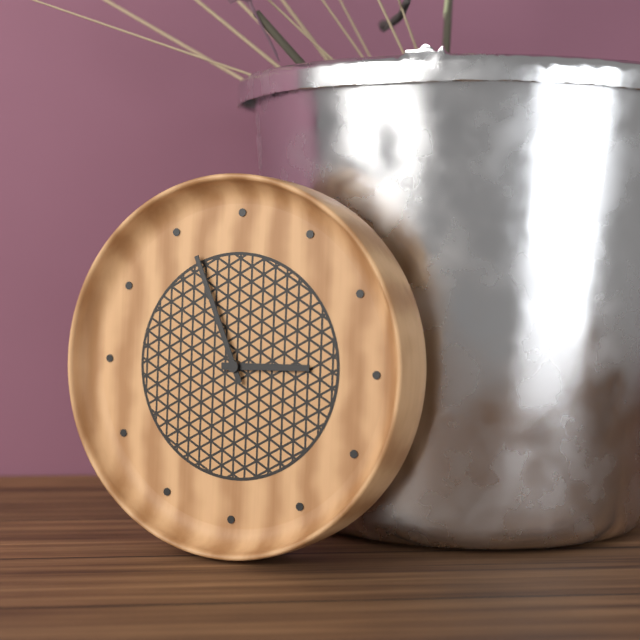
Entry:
2h56
